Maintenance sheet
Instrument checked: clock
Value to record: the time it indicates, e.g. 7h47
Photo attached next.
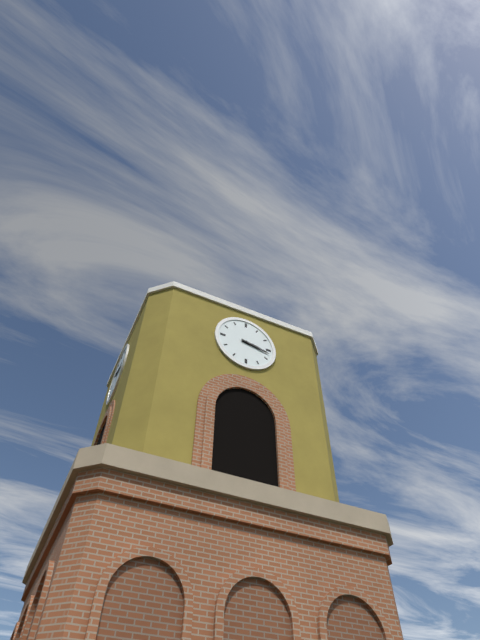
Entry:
3h17
